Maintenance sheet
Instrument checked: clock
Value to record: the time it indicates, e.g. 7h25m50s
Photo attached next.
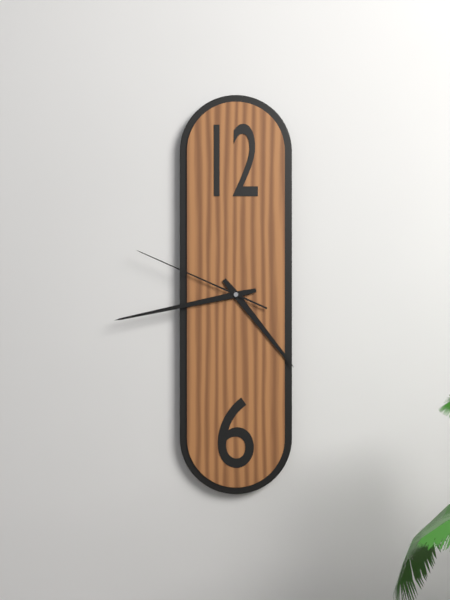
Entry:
4h43m49s
